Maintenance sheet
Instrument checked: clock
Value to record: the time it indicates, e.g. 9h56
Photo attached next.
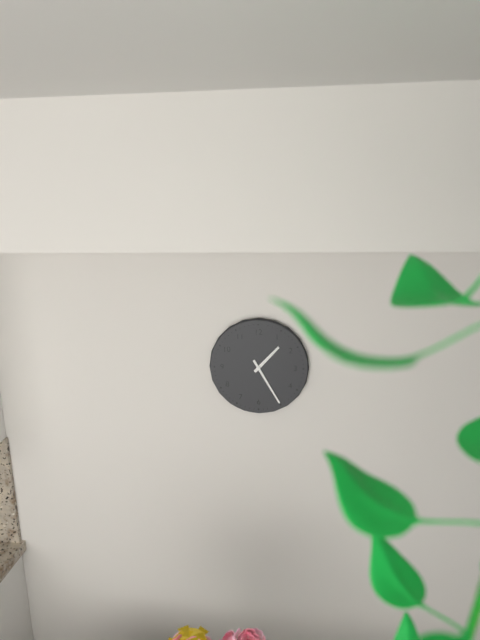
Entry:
1h25
